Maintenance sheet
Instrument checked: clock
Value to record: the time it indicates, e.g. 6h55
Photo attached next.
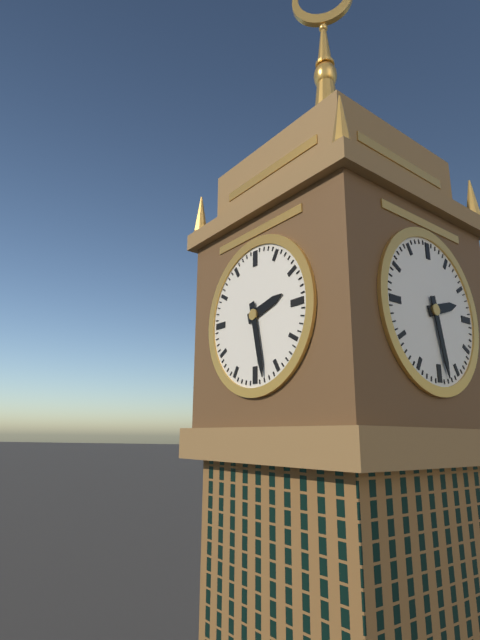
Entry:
2h28
